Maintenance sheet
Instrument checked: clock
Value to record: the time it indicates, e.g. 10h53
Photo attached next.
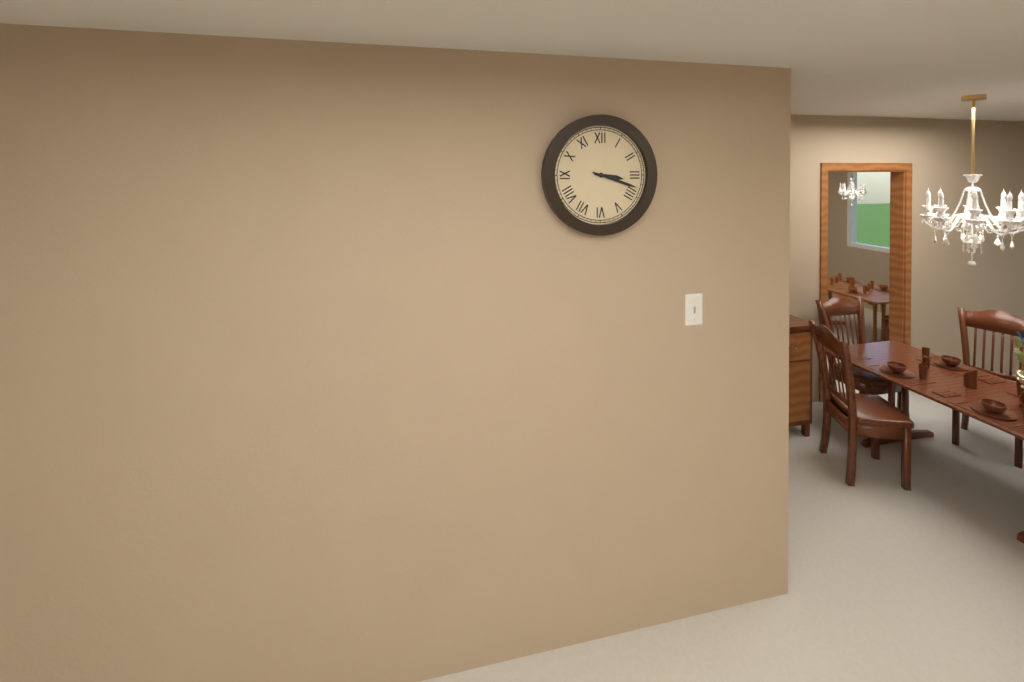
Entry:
3h18
